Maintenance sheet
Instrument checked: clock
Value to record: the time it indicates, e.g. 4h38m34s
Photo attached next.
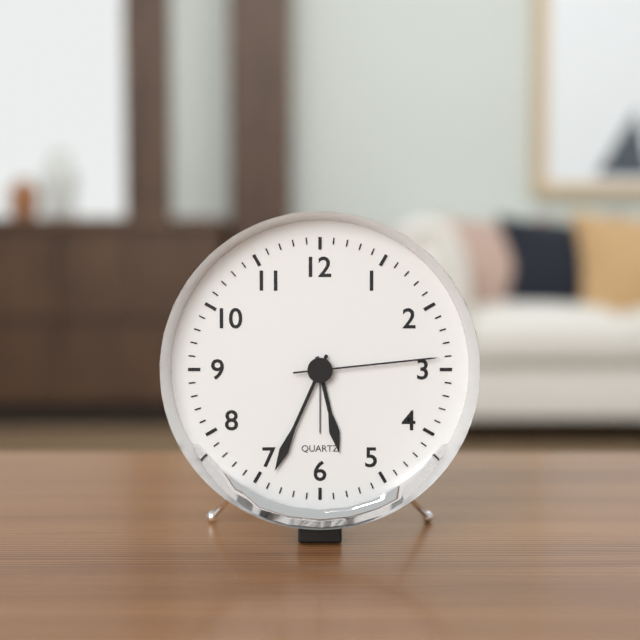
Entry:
5h34m14s
